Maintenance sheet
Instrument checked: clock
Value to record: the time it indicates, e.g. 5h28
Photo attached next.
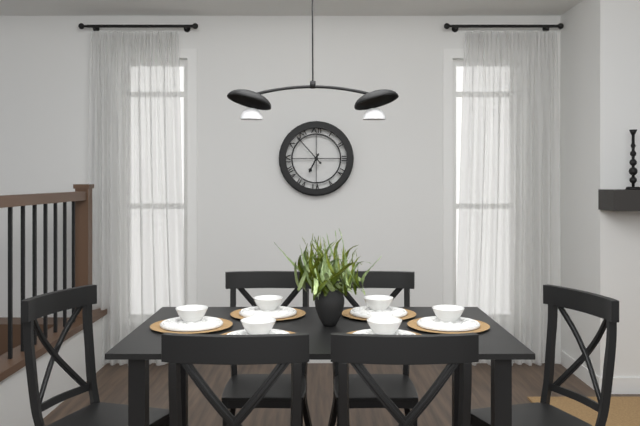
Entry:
6h53
